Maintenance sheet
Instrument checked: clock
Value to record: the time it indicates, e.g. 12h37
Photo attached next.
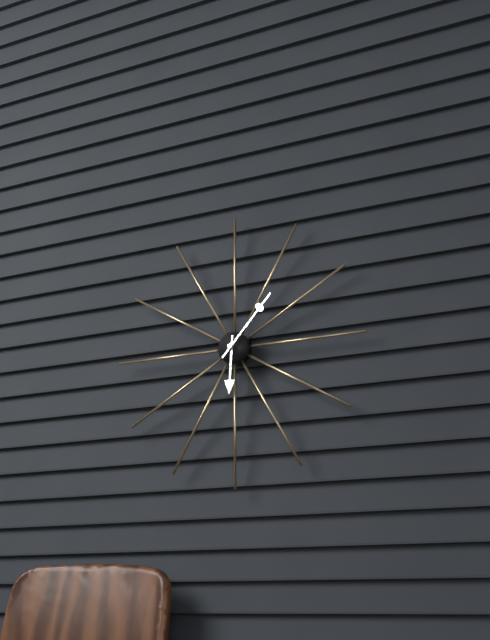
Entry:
6h07
